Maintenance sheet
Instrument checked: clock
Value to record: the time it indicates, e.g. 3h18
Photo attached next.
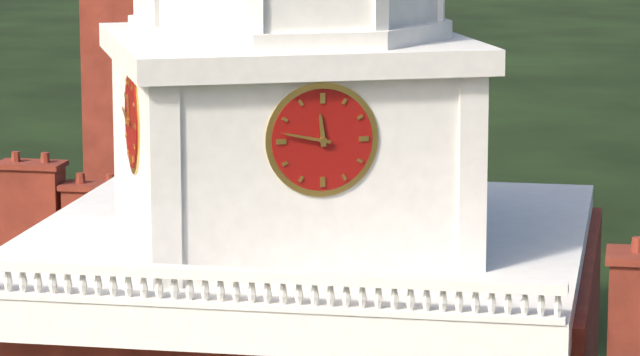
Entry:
11h47
